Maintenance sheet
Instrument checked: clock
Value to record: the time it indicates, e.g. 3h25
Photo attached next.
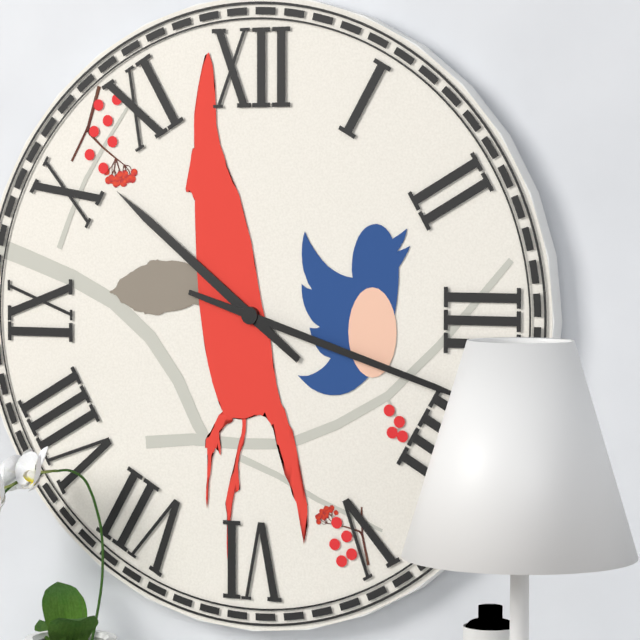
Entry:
10h18
